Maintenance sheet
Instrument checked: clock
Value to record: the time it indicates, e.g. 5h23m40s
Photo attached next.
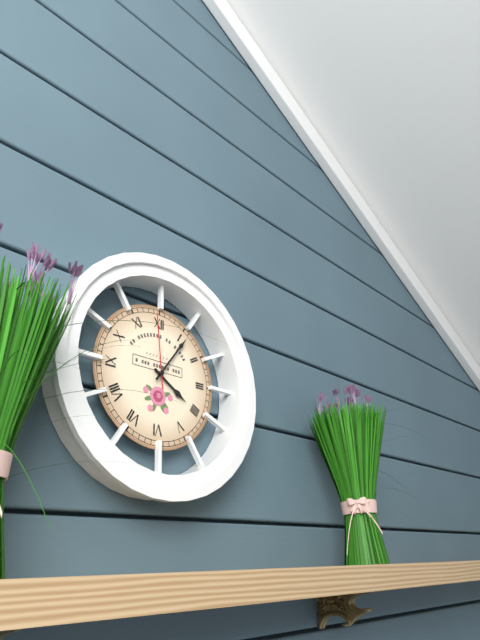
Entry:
4h06m59s
